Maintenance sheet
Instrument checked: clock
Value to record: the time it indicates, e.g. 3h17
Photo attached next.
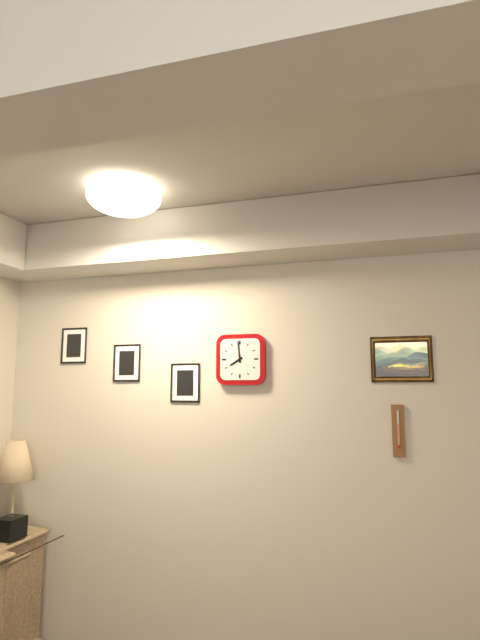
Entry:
7h59
